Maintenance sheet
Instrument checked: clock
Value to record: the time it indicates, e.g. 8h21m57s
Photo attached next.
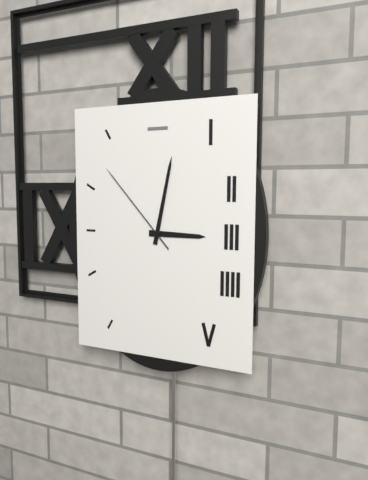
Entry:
3h02m53s
